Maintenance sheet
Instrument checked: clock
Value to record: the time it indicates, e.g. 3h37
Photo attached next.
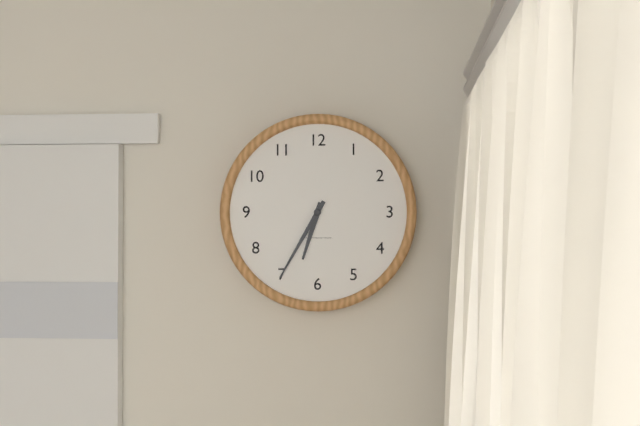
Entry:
6h35
